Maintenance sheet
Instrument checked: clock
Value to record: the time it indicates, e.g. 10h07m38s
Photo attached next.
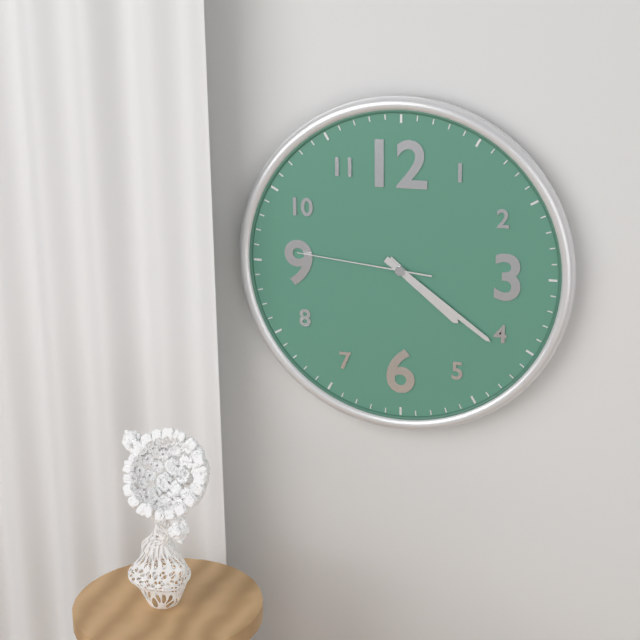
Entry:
4h21m46s
